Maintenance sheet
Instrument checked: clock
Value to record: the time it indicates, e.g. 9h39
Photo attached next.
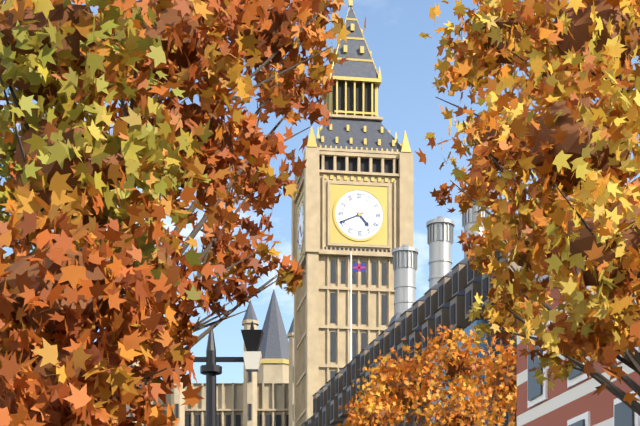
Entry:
4h41
